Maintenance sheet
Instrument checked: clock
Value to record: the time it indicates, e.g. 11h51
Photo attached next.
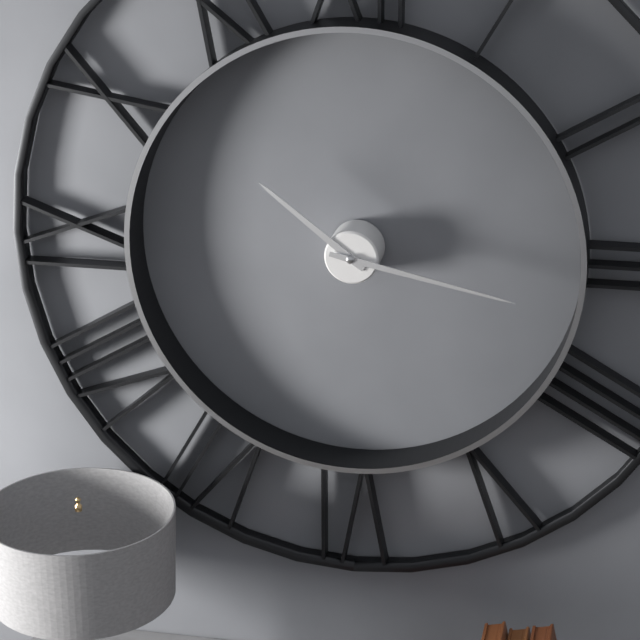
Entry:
10h17
